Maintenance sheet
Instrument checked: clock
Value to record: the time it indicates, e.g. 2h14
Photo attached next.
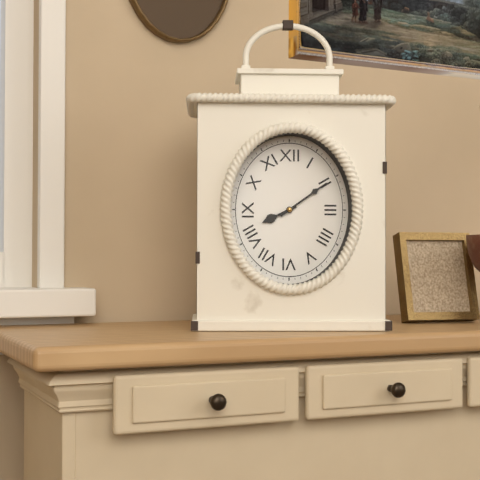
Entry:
8h09
